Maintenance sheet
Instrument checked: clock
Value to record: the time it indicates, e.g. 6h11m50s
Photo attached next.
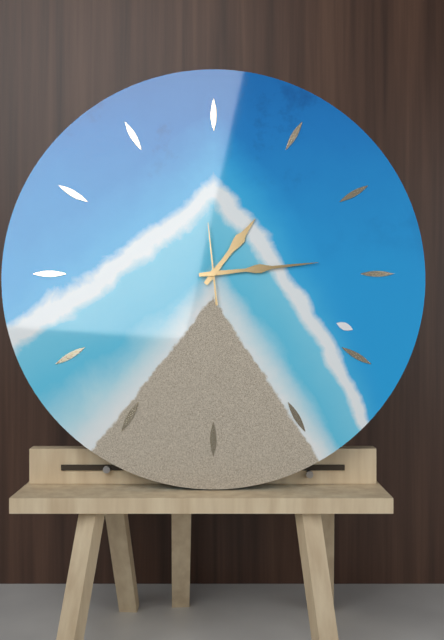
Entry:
1h14m59s
